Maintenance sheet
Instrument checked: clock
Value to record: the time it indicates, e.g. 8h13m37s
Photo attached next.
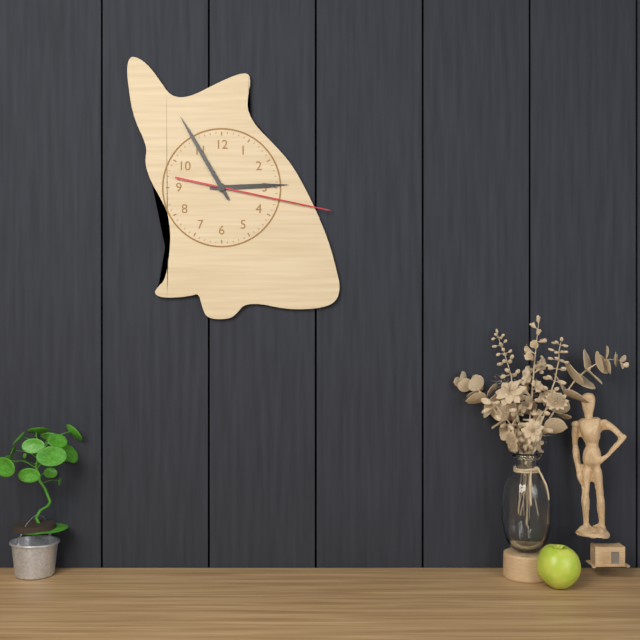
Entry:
2h55m17s
